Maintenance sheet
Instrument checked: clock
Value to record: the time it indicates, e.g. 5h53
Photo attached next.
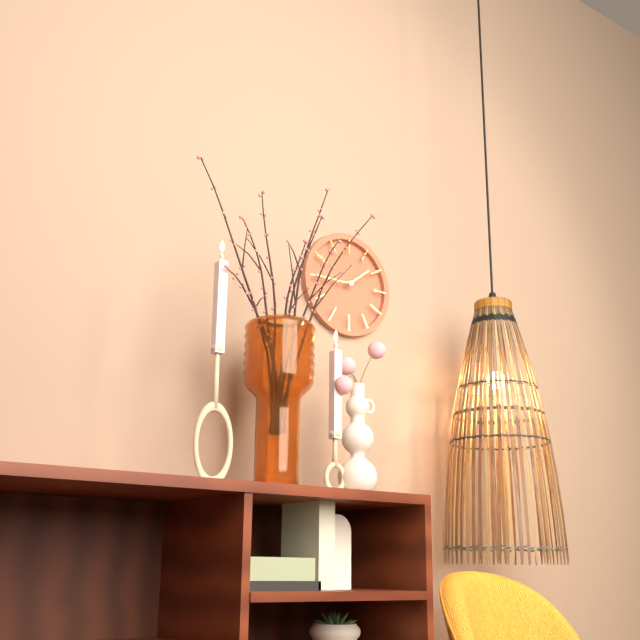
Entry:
1h45
